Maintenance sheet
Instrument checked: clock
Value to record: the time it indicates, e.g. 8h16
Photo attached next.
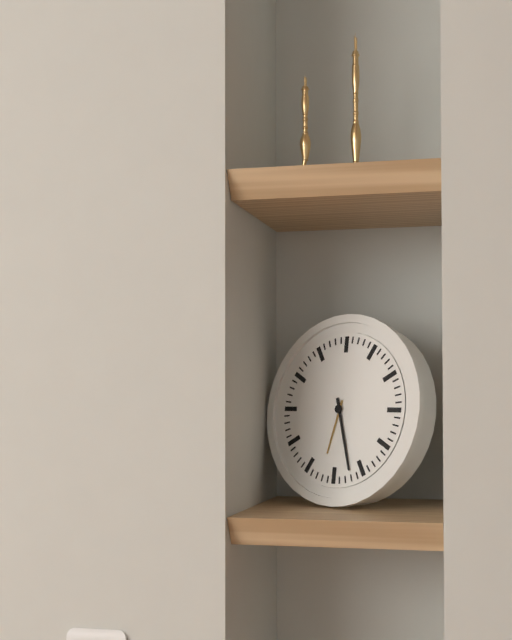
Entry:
6h27
